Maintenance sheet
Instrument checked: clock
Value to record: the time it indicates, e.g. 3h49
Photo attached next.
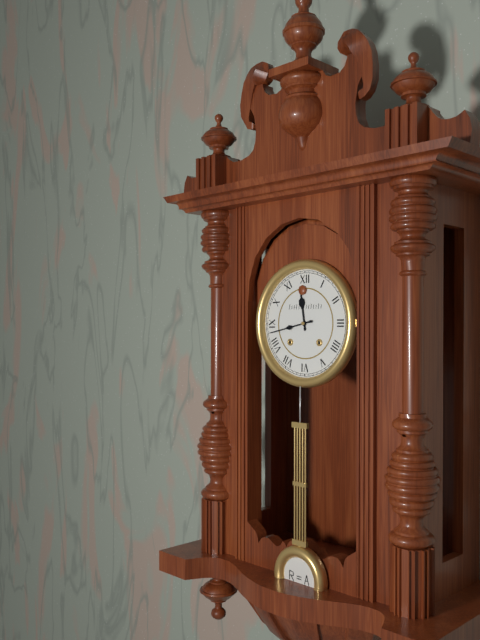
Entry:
11h43
